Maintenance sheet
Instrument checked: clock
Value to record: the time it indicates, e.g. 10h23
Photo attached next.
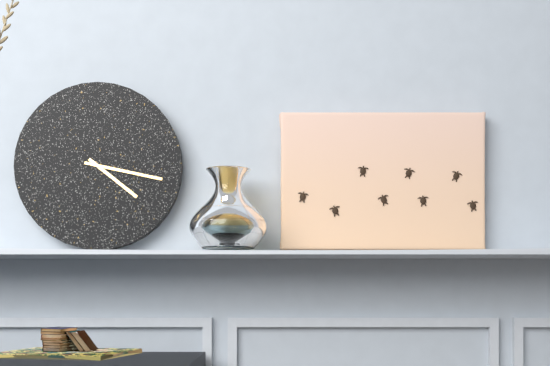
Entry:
4h17
